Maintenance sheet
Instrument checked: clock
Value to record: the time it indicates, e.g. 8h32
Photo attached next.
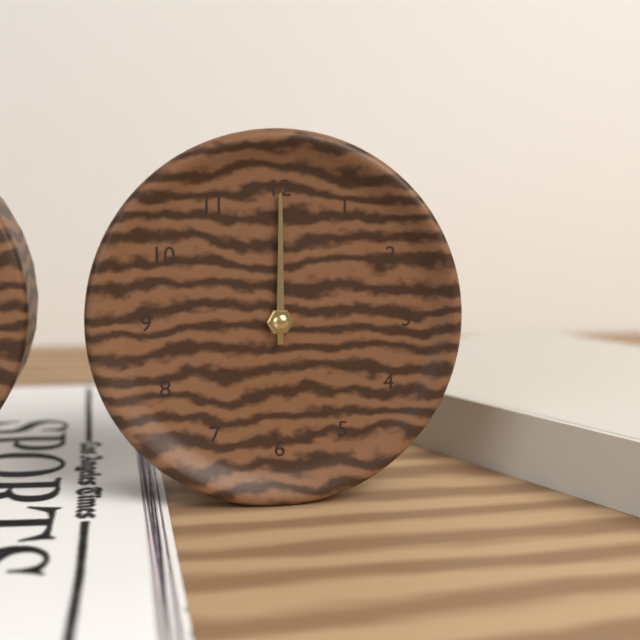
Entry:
12h00
